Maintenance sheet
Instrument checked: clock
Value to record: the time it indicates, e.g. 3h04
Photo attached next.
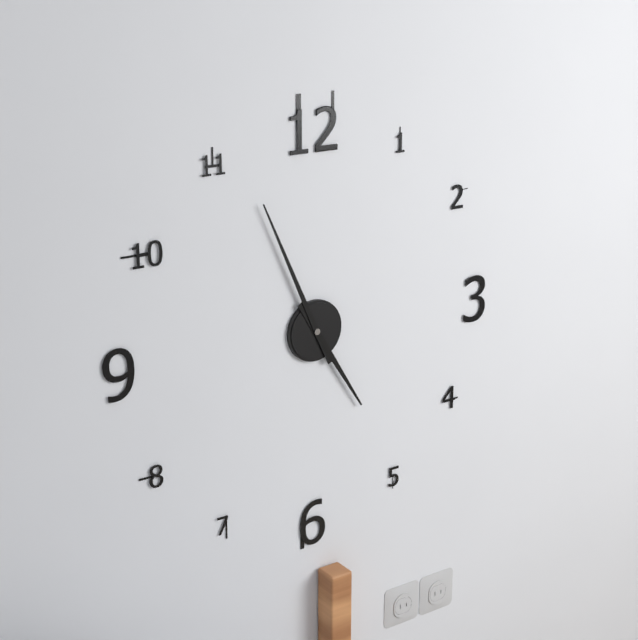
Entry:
4h56
